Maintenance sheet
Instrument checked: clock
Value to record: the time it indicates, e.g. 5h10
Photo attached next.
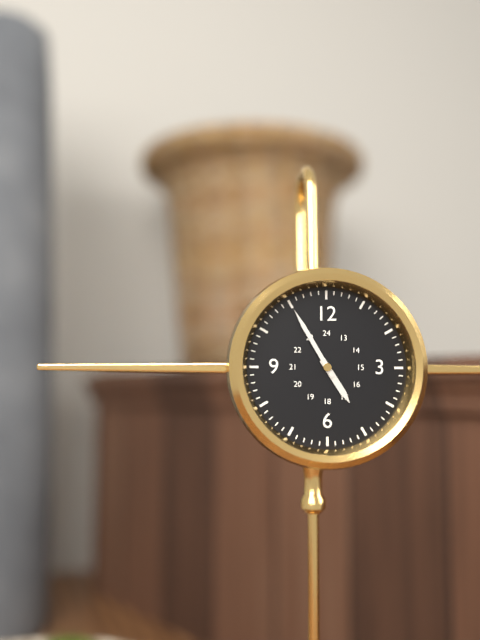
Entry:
4h55
